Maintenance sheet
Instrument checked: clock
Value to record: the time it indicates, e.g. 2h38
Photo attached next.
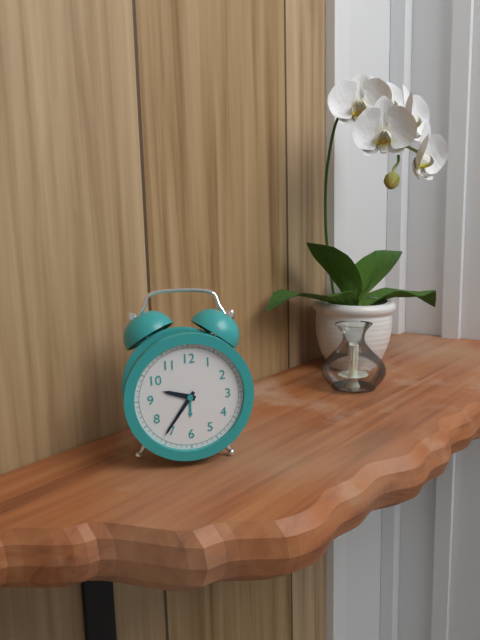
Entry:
9h36
